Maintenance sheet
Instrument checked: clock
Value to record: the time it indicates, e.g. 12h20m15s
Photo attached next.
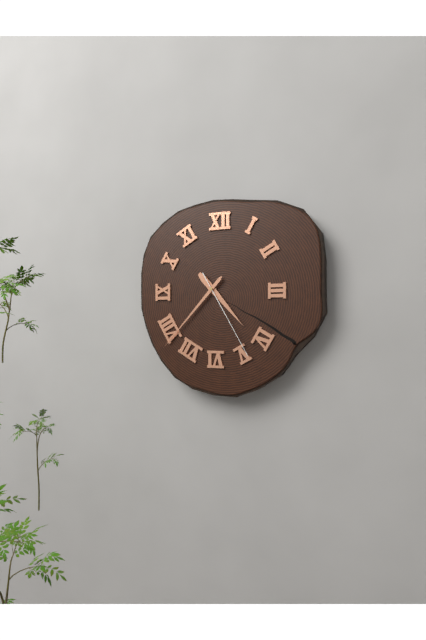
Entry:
4h37m25s
